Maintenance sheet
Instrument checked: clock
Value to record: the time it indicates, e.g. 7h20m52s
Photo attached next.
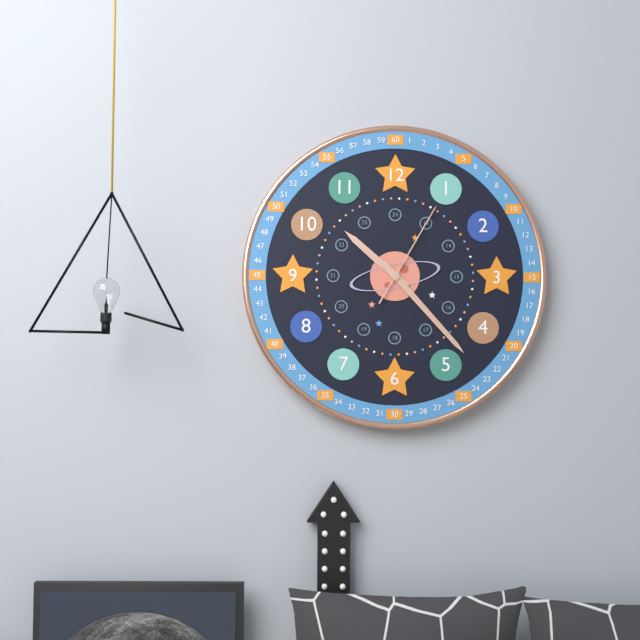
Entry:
10h23m05s
